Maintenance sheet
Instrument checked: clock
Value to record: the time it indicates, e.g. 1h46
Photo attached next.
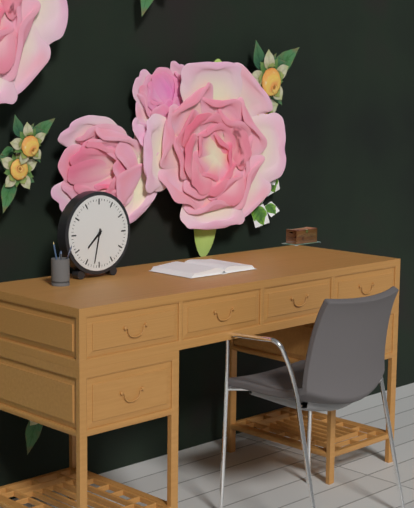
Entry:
7h32
